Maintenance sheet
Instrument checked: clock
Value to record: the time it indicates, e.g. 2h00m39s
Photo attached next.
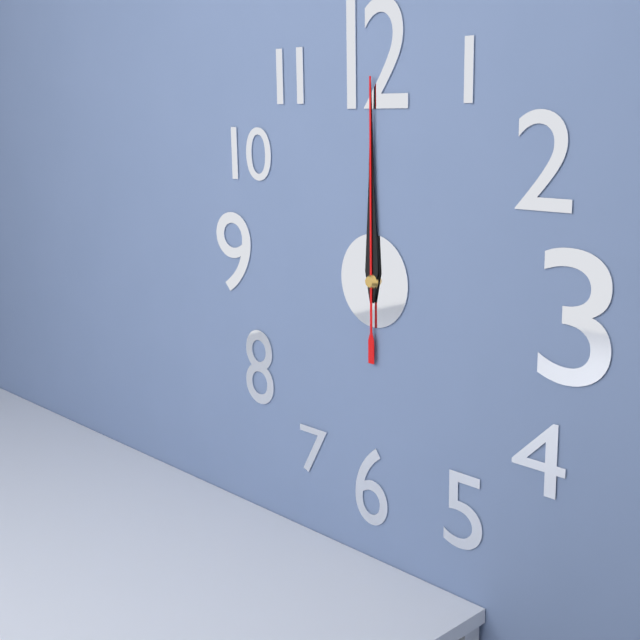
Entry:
12h00m00s
